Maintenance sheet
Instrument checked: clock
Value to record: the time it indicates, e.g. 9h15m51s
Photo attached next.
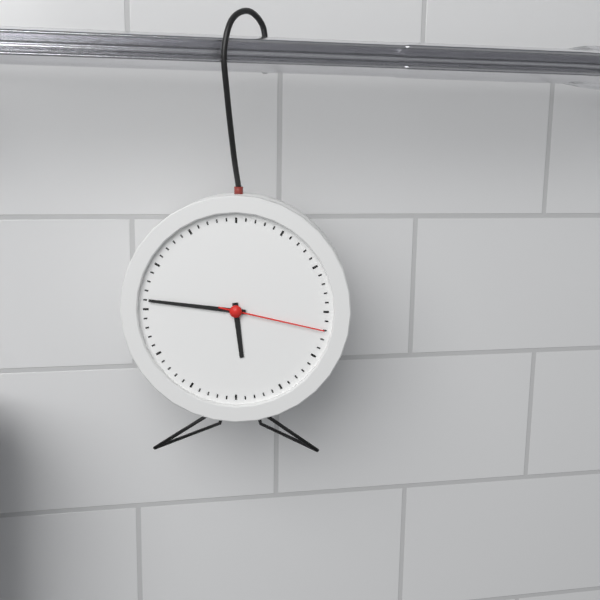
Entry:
5h46m17s
